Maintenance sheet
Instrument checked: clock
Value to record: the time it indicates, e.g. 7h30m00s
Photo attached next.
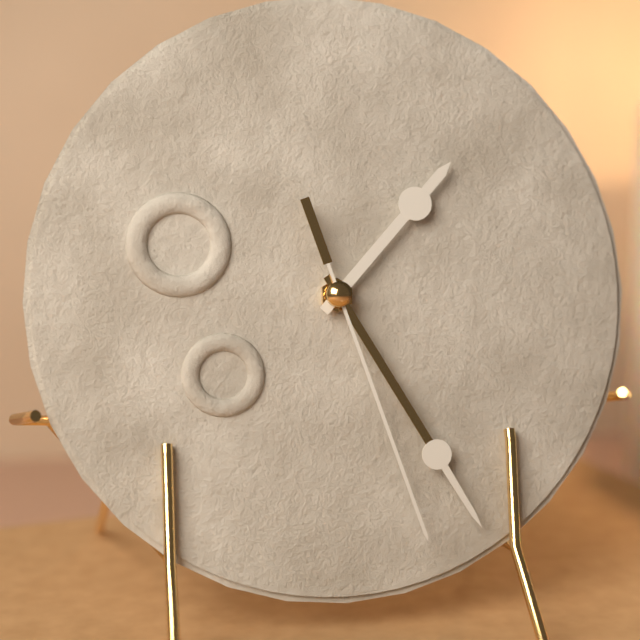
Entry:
1h25m27s
